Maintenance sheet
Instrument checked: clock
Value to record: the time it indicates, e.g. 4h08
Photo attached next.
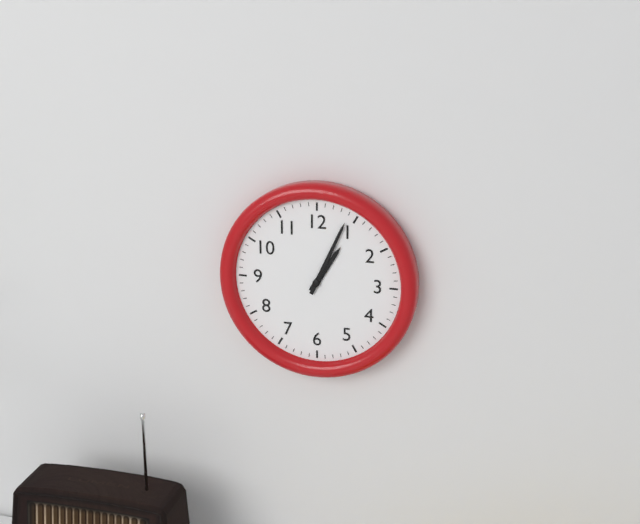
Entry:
1h04
